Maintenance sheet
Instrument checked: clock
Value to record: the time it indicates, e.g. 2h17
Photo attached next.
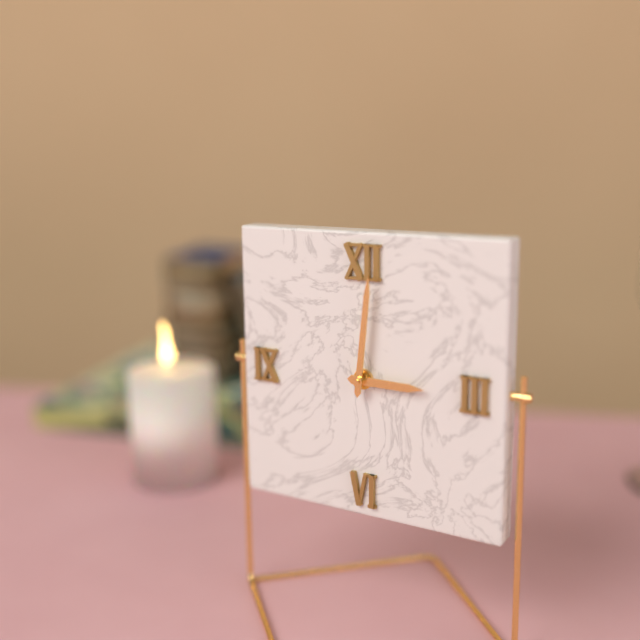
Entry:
3h01
